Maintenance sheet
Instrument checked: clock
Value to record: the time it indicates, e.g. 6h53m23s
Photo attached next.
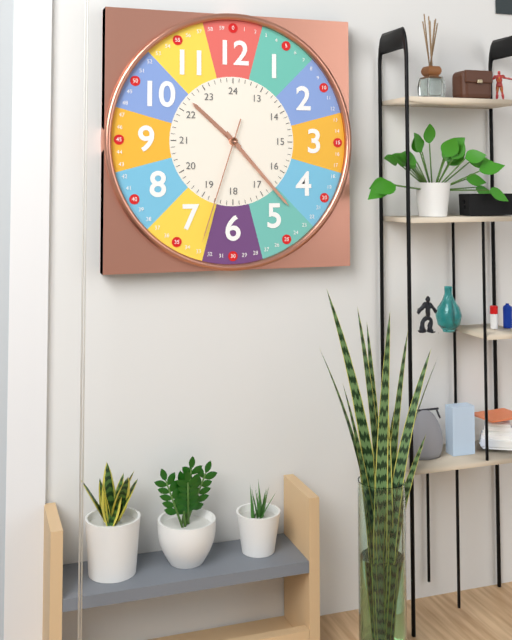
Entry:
10h23m33s
